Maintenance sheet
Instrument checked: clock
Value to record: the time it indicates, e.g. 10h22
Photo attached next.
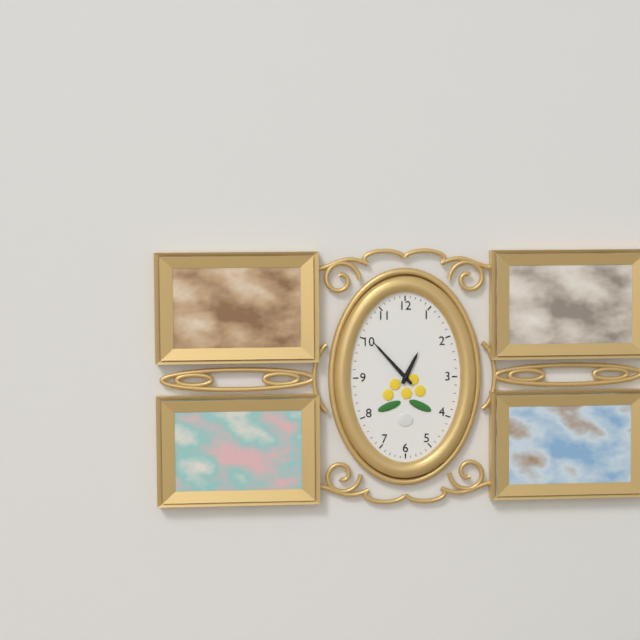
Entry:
12h53
